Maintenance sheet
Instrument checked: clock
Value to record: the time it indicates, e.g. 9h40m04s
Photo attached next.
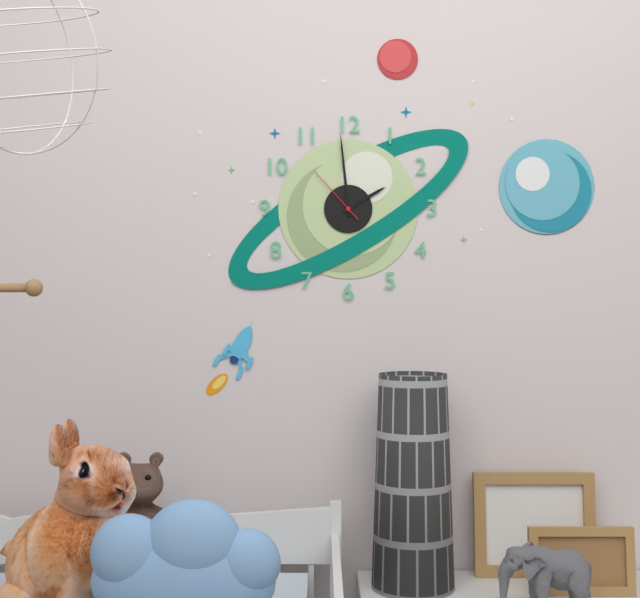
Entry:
1h59m53s
